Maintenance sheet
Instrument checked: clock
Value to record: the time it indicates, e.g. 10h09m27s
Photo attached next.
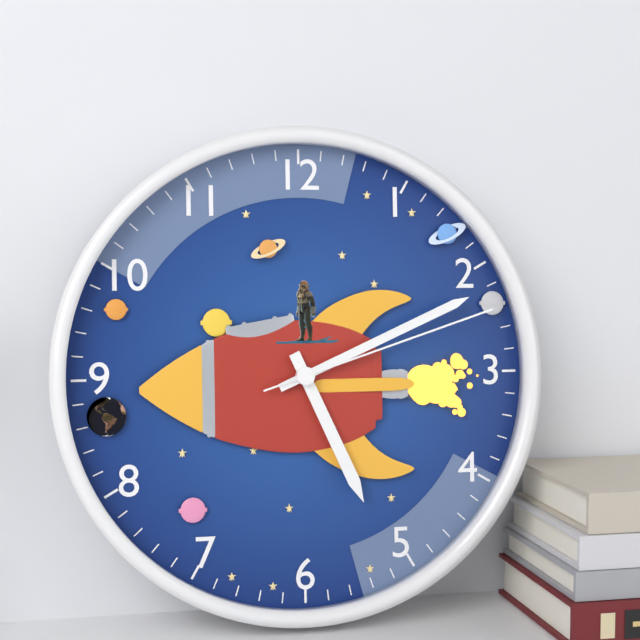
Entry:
5h11m12s
